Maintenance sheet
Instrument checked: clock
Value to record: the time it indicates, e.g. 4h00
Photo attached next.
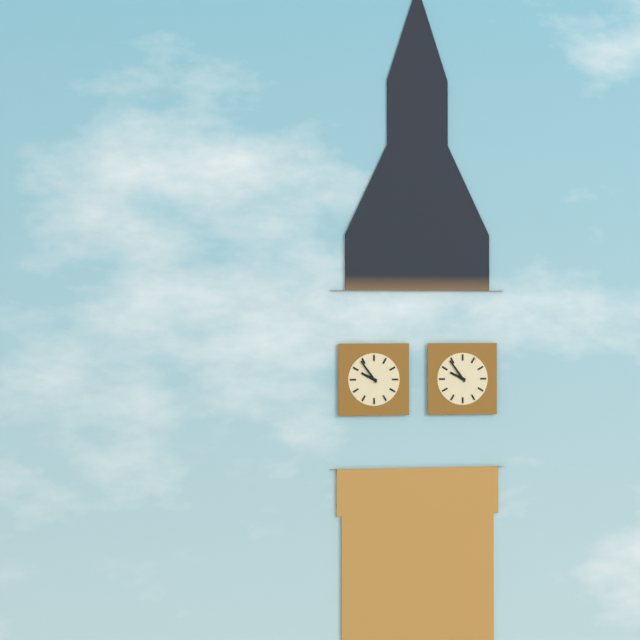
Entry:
9h54
